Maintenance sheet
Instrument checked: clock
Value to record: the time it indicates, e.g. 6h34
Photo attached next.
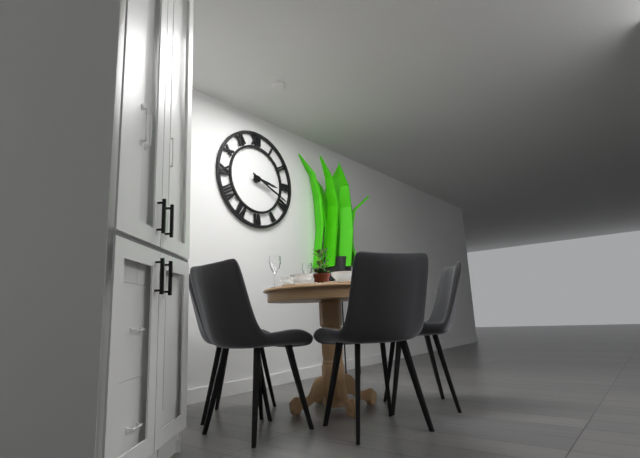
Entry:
3h19
